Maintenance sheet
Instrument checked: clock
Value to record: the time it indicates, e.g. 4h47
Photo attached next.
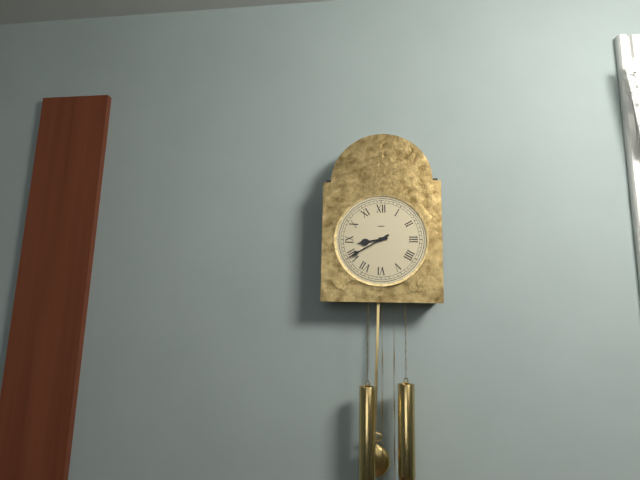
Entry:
8h40
